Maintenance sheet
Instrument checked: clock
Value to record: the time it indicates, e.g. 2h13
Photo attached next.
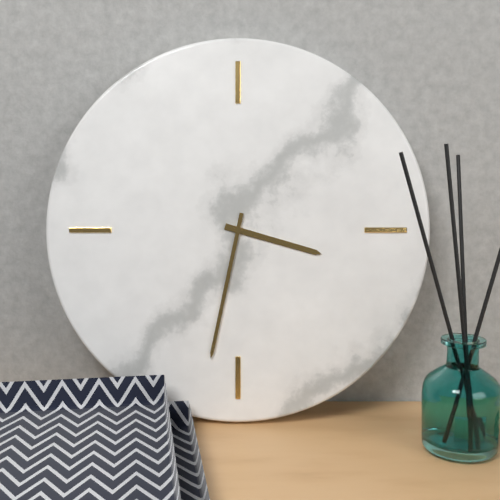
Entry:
3h32
